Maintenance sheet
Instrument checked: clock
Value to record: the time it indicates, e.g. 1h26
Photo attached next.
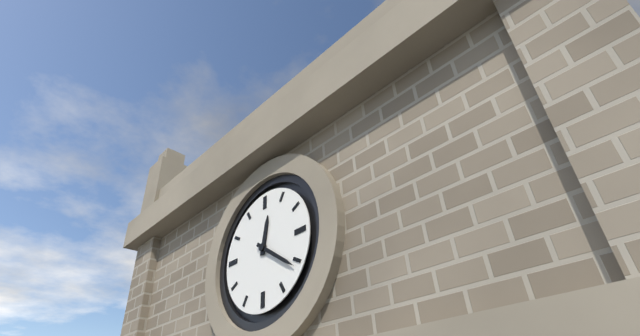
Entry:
12h21
